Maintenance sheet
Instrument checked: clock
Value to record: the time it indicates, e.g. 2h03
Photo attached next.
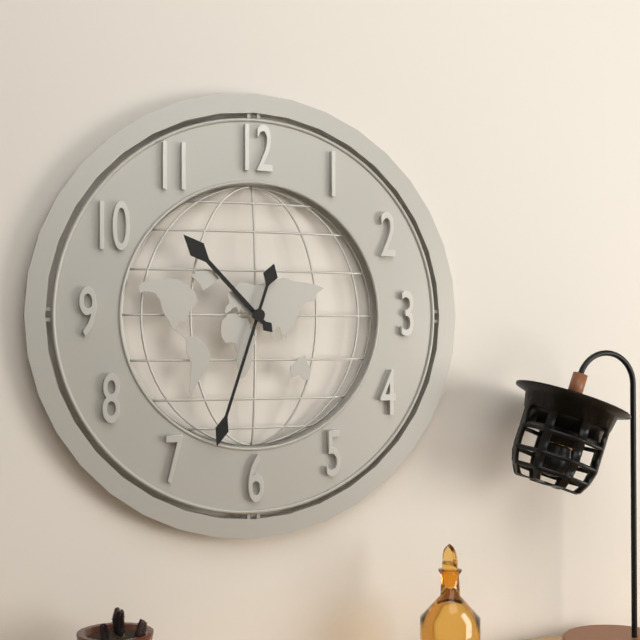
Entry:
10h33
